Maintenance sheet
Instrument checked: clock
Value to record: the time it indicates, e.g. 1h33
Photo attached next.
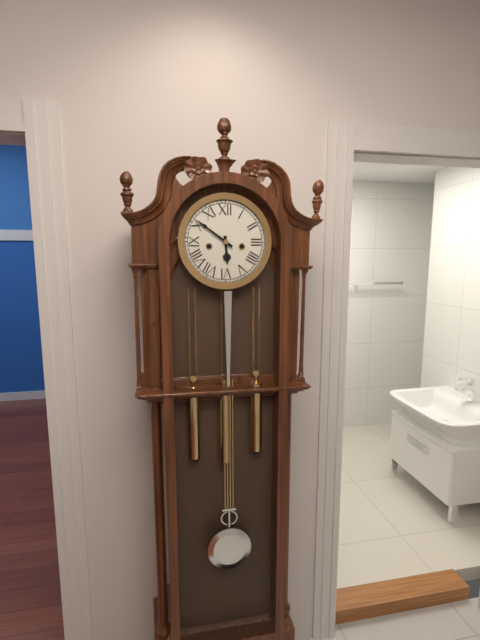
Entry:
5h51
